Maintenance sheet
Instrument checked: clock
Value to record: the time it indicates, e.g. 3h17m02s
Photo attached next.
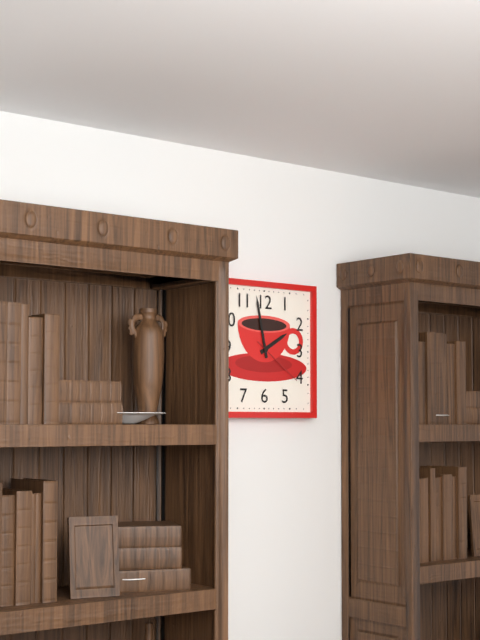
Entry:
1h58m21s
